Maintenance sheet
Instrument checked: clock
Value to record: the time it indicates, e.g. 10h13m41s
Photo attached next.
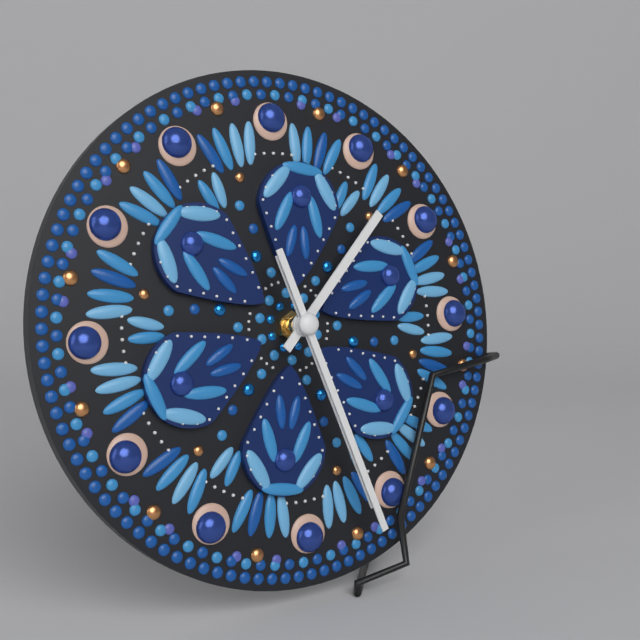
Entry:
1h27m27s
